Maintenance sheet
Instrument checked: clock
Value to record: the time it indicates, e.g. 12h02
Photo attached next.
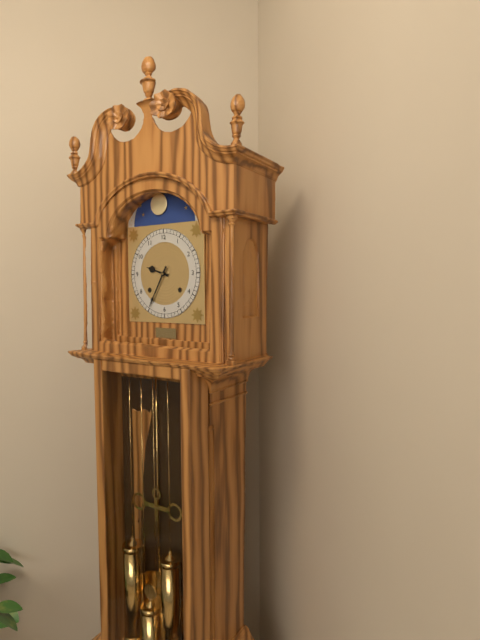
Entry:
9h35
